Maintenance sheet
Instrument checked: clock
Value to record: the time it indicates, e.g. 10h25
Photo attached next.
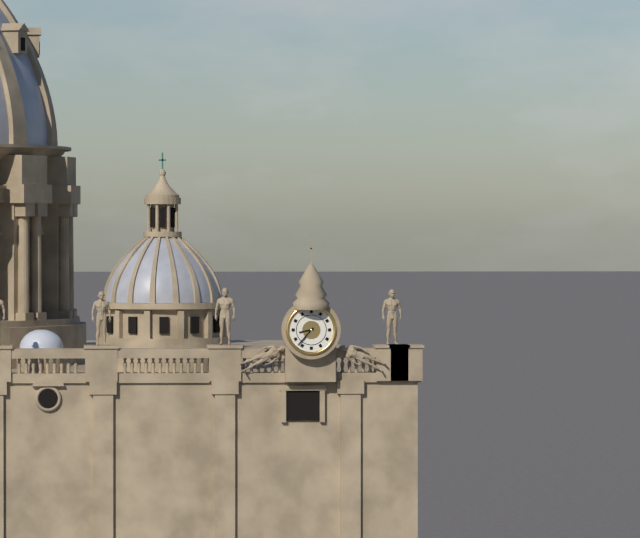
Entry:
8h37
